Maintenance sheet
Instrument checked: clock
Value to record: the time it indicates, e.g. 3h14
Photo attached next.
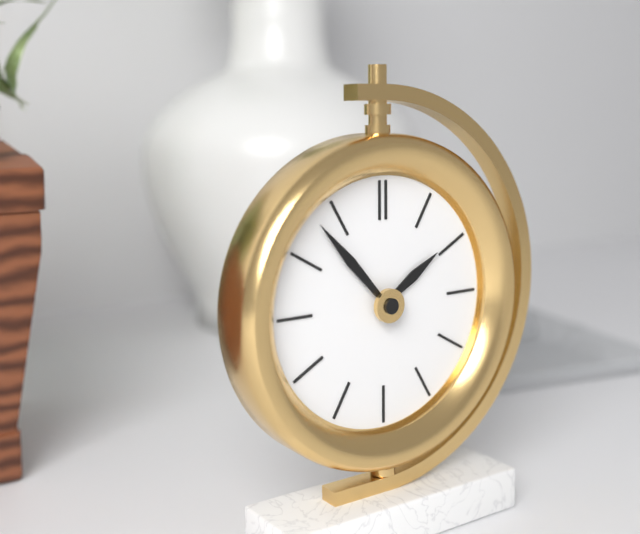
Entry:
1h53
